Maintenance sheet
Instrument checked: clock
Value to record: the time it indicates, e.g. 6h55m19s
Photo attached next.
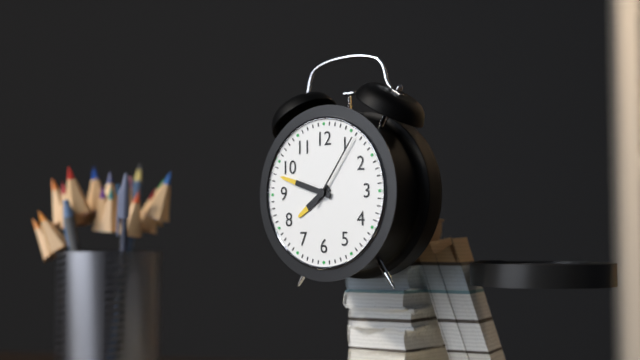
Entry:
7h48m06s
